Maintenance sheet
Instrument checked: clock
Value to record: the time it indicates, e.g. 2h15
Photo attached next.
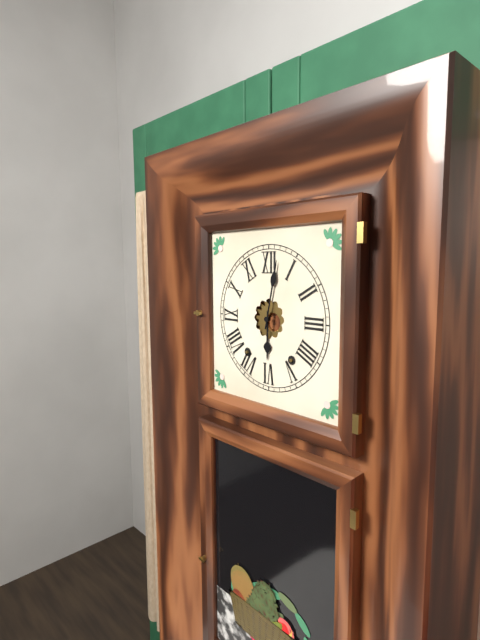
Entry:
6h02
